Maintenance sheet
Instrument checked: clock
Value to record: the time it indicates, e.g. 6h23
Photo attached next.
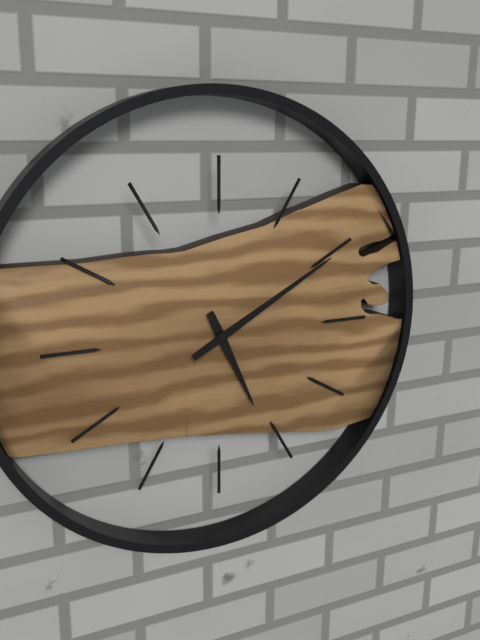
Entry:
5h10
